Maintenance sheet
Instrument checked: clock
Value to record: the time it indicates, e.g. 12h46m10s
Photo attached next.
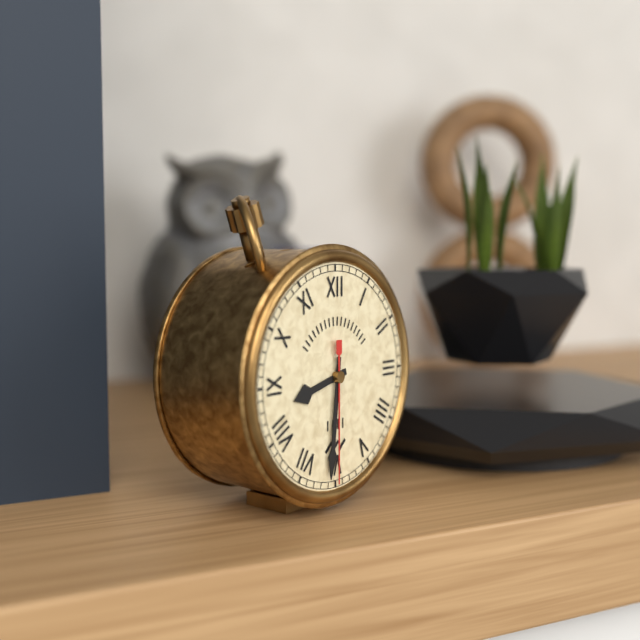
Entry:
8h31m30s
